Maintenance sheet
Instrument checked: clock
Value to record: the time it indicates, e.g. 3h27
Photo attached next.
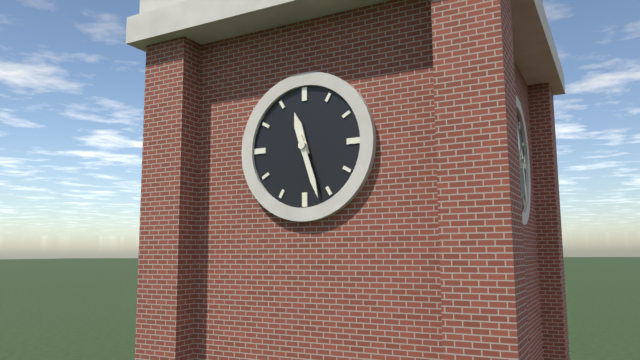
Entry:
11h27
